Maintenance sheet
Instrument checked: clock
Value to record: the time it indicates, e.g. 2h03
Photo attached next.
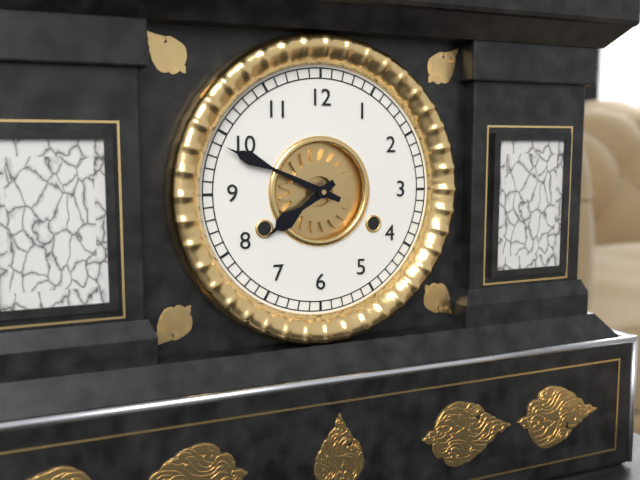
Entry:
7h49
